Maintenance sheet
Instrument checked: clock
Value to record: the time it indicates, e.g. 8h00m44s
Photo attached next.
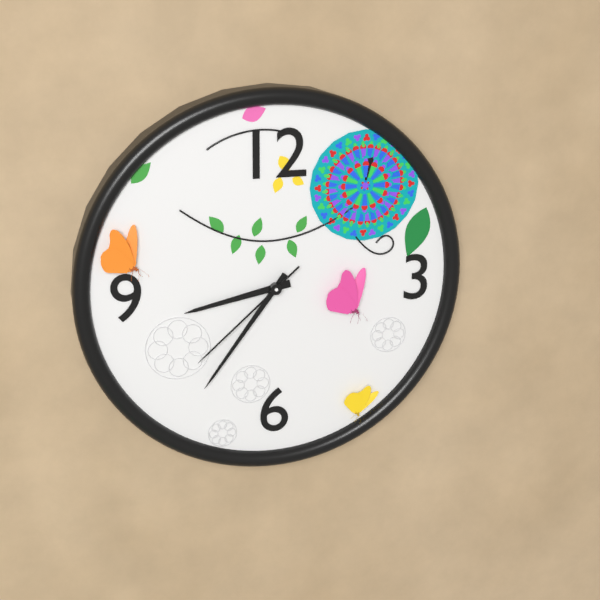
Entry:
8h36m38s
